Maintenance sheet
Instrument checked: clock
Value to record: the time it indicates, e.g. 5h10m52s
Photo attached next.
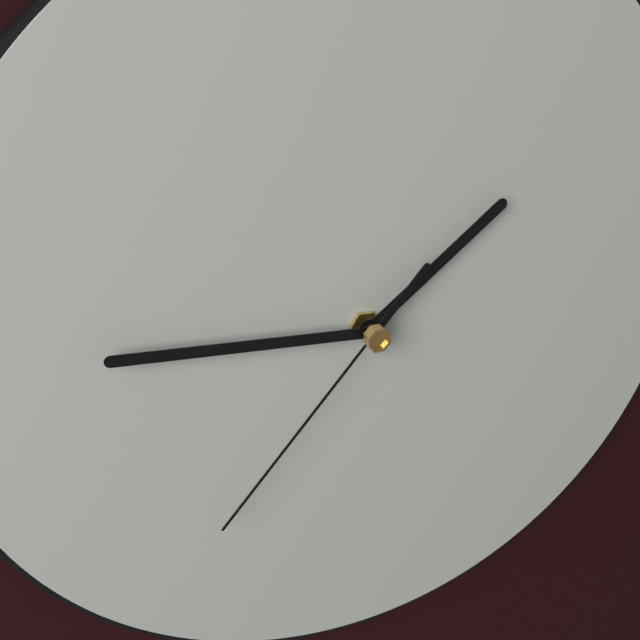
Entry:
1h46m37s
